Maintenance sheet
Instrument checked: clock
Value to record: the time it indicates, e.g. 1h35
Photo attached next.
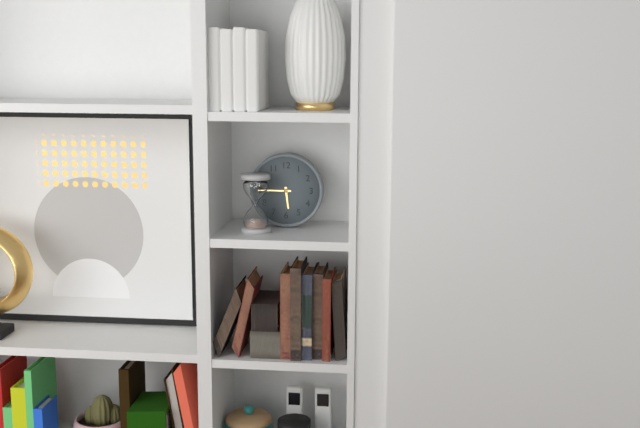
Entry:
5h45
